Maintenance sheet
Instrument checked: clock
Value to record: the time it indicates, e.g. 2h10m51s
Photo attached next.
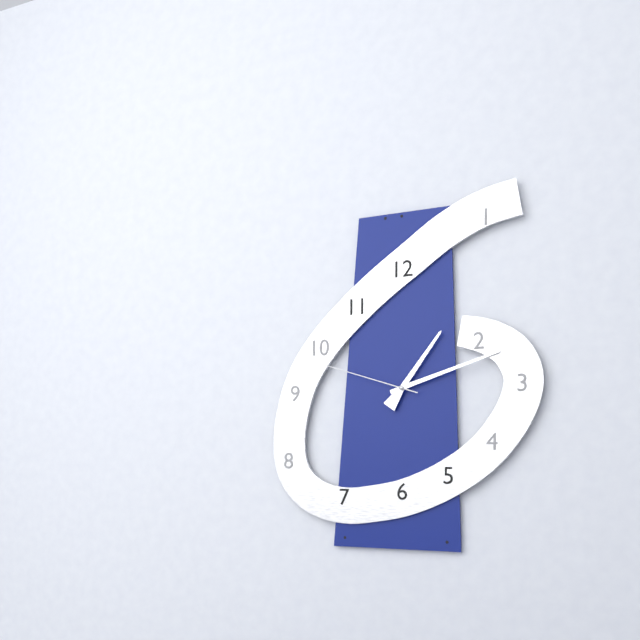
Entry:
1h12m48s
